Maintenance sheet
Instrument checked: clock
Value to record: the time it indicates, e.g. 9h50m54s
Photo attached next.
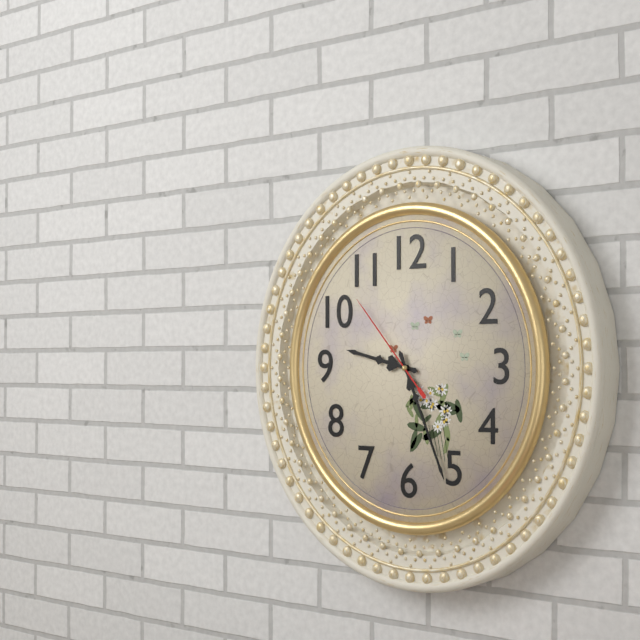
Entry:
9h26m53s
